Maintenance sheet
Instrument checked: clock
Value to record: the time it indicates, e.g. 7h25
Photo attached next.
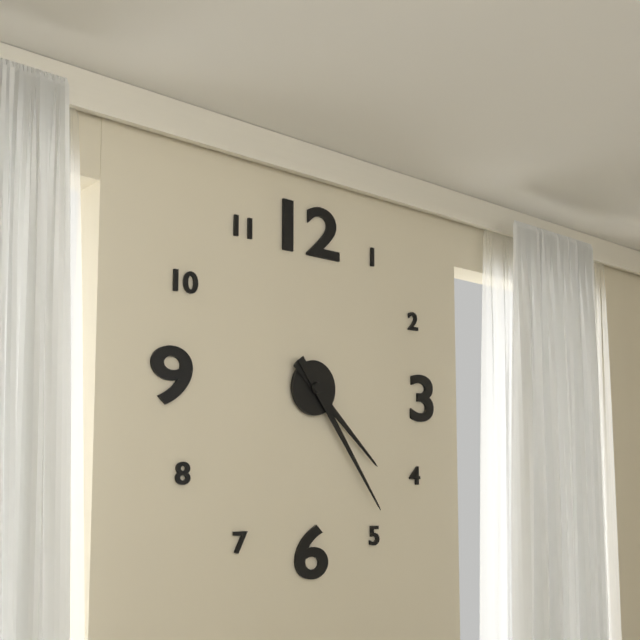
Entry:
4h24
